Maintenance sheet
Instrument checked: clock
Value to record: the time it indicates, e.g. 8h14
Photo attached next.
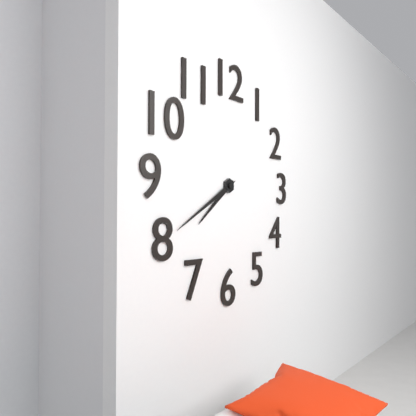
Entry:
7h40
